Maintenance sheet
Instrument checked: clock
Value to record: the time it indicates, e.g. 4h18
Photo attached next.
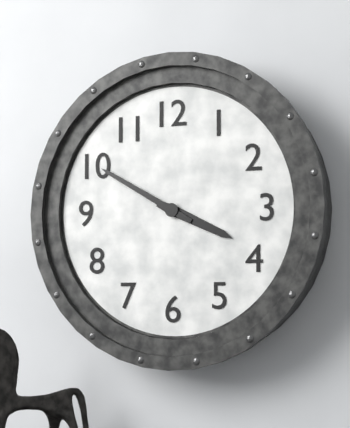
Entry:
3h50
